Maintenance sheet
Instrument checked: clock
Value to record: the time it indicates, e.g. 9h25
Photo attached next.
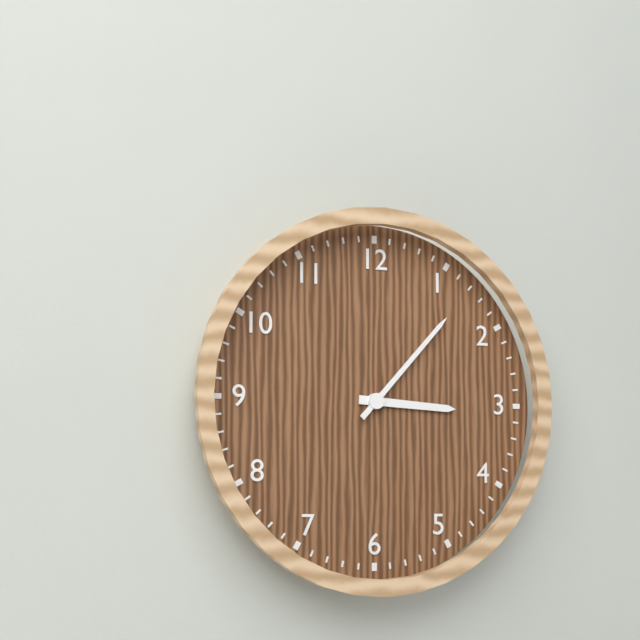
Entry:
3h07
